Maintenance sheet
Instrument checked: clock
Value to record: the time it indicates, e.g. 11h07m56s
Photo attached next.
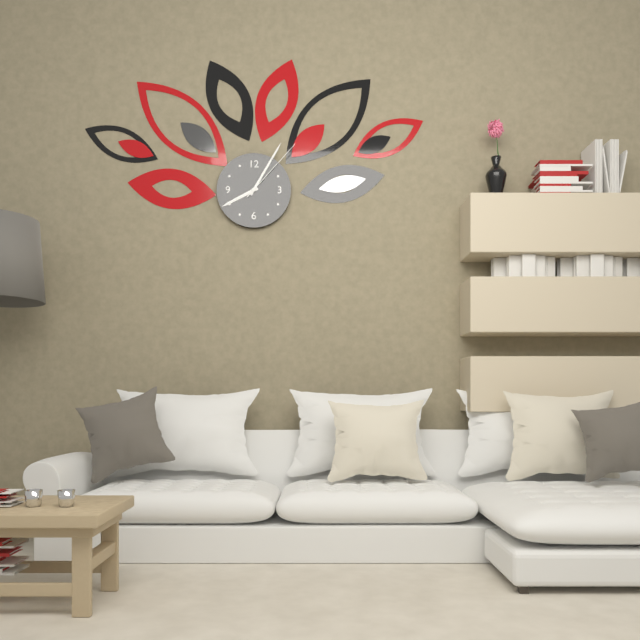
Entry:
8h05m07s
